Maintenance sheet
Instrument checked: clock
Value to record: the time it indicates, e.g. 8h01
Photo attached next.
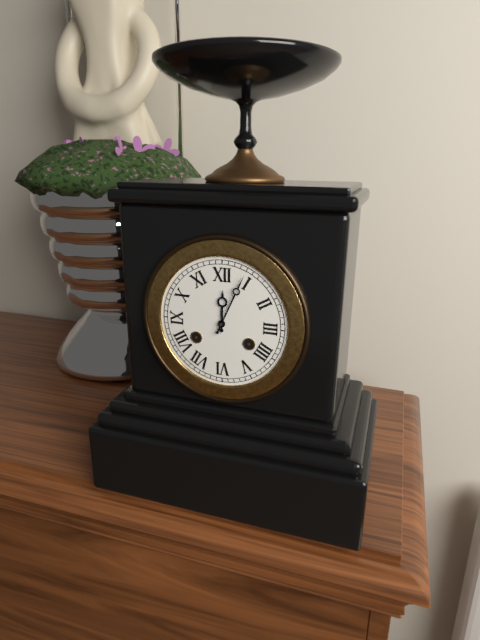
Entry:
12h04
